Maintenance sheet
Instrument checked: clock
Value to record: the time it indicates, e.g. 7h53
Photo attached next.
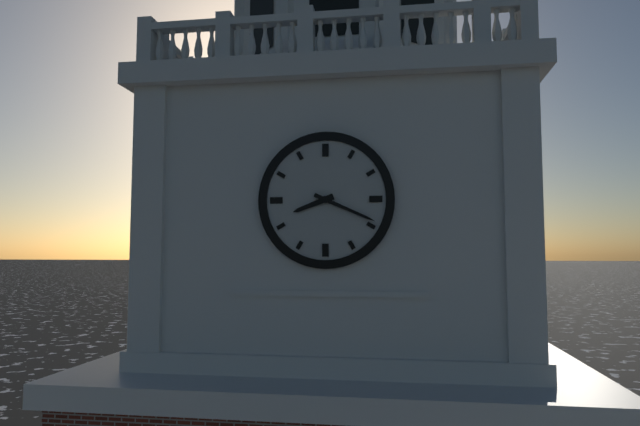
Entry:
8h19
